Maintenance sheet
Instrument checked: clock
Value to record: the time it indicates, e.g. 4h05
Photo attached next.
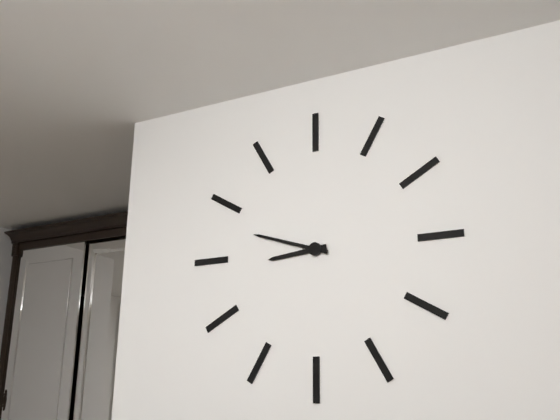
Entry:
8h48
